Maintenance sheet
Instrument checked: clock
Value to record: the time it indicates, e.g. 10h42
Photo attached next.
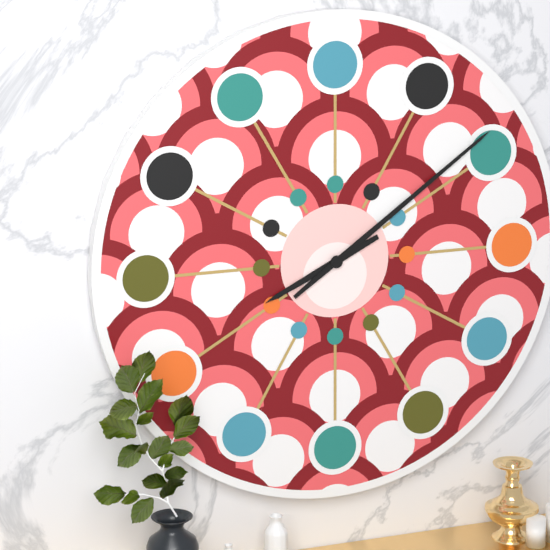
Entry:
8h09
